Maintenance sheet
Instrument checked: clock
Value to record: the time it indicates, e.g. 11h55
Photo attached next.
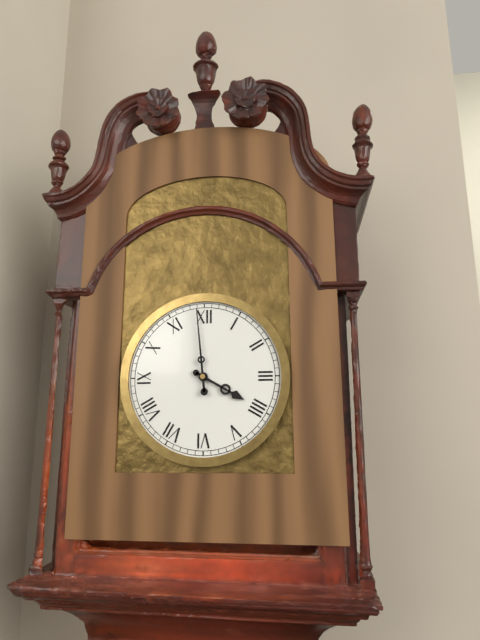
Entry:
3h59
